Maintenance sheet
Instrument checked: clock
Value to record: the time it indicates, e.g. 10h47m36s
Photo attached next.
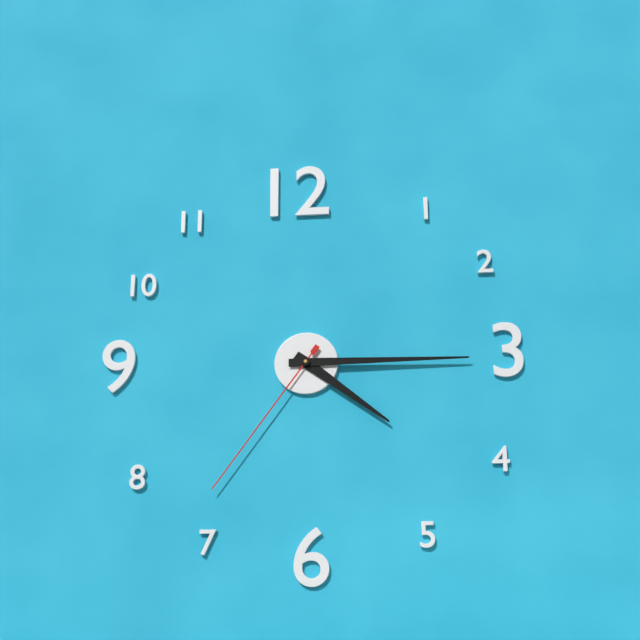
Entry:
4h15m36s
